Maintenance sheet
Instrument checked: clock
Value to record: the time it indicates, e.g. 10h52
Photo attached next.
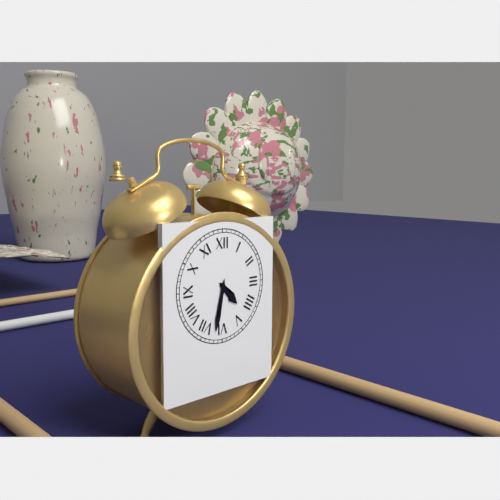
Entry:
4h32
